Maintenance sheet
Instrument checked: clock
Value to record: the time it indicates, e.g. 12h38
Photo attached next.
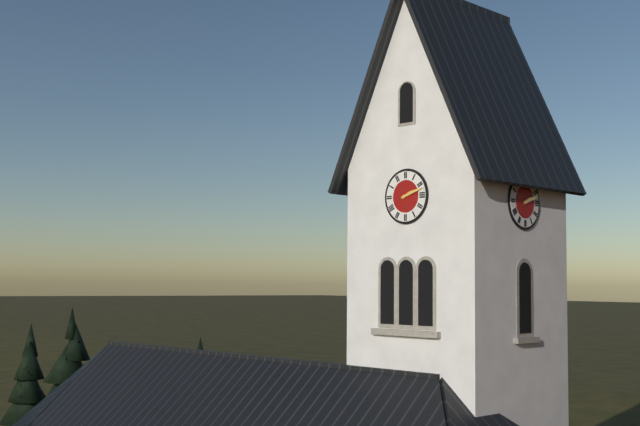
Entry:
2h12
